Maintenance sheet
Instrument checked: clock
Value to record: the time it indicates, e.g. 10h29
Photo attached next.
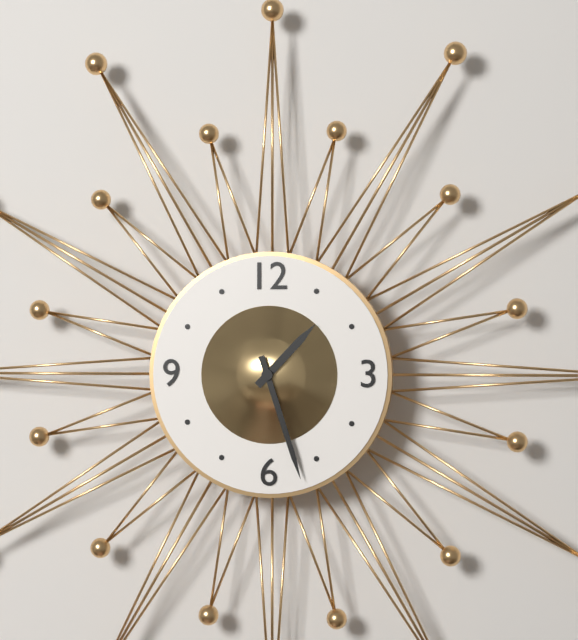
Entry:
1h27
